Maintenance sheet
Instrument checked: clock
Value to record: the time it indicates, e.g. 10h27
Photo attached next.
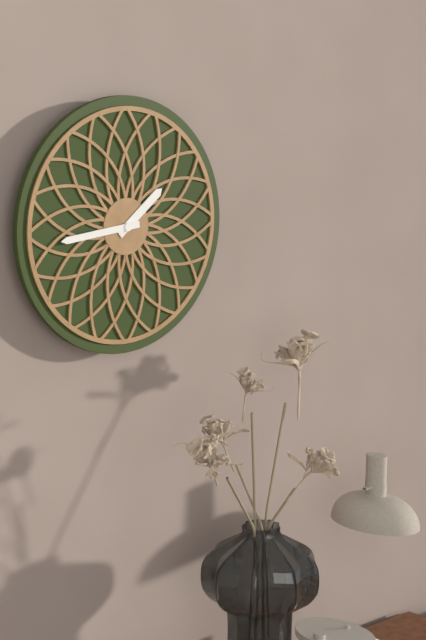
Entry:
1h44
